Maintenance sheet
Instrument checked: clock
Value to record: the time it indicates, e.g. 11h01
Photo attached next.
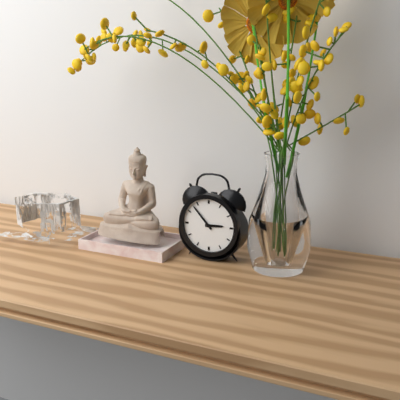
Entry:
2h53
